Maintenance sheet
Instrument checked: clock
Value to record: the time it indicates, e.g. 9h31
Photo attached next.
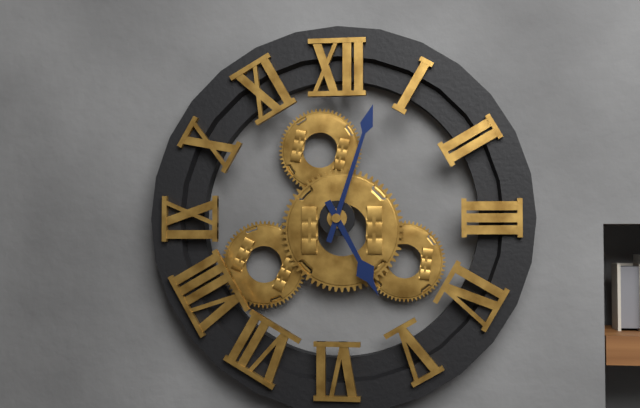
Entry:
5h03
